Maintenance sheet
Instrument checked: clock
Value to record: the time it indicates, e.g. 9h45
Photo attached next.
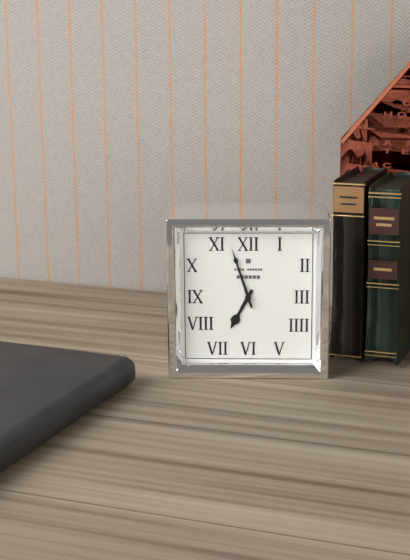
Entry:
6h57
